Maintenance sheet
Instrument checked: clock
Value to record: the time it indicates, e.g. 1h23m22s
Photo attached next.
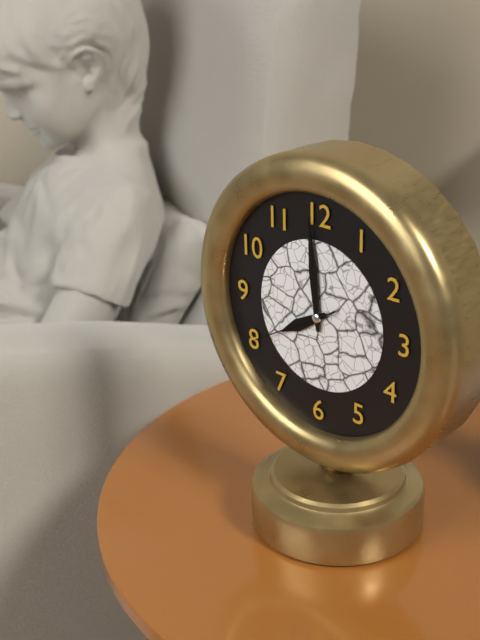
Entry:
7h59m40s
